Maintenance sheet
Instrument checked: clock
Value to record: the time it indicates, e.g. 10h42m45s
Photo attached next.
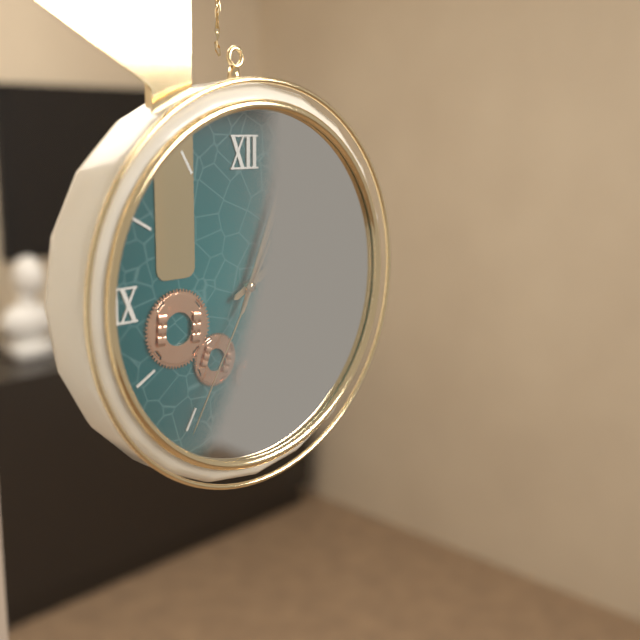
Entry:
2h04m35s
